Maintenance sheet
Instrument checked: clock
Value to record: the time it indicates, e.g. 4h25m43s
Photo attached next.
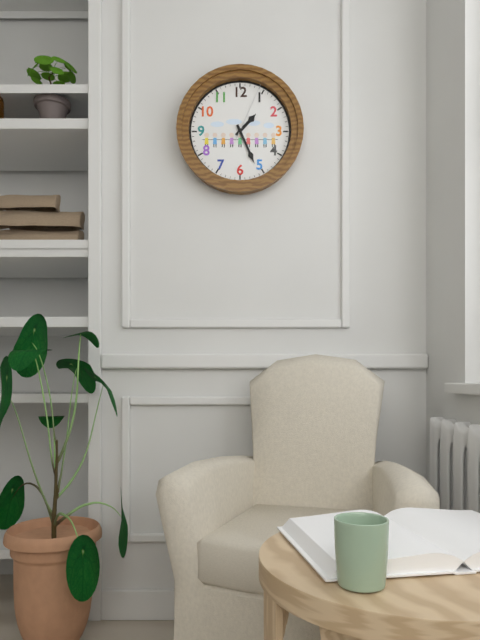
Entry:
1h26m04s
